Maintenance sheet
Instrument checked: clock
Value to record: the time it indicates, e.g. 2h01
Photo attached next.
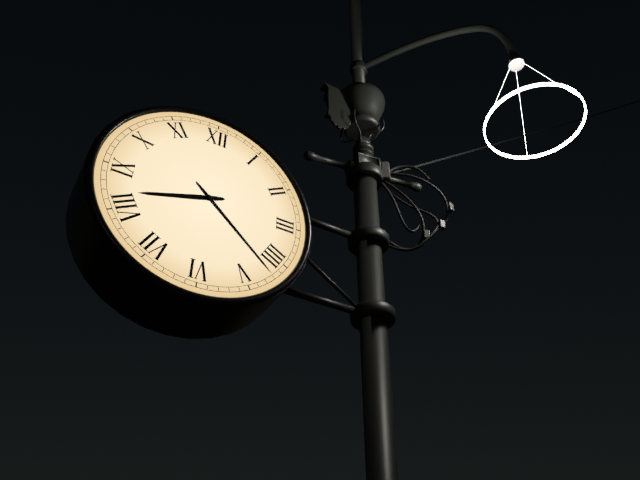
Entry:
8h22
